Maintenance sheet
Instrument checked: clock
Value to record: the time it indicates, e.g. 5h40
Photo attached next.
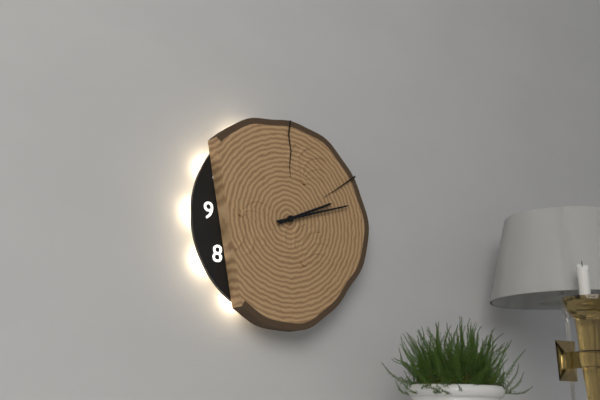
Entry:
2h12
